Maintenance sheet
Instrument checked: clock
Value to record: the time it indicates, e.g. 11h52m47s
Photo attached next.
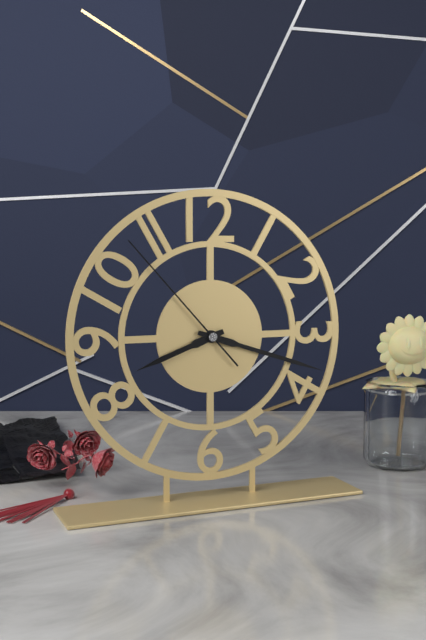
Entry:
8h18m53s
